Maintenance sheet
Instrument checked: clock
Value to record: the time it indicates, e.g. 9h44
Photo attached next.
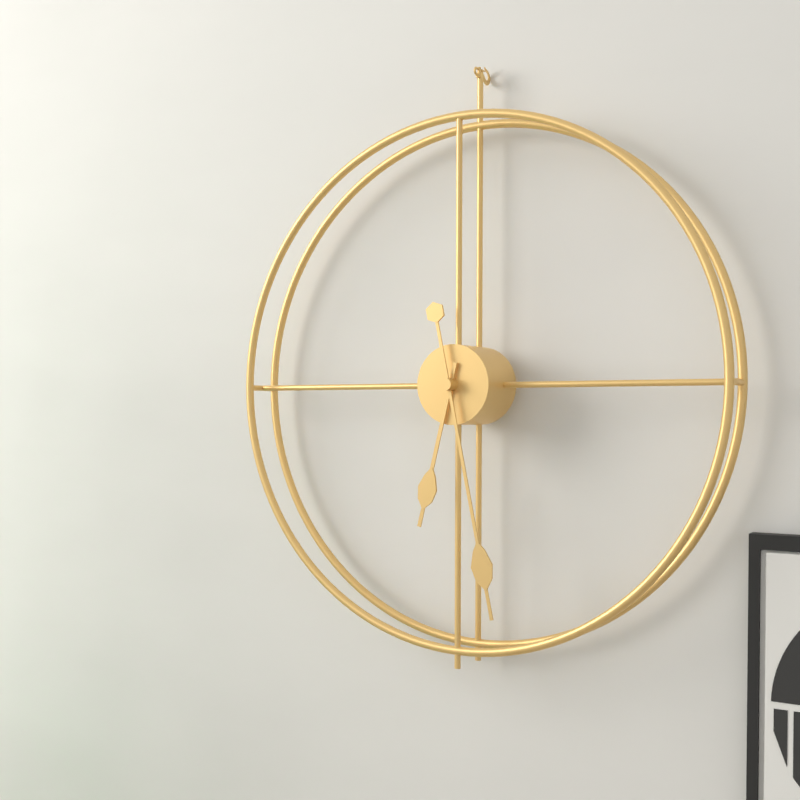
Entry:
6h28
